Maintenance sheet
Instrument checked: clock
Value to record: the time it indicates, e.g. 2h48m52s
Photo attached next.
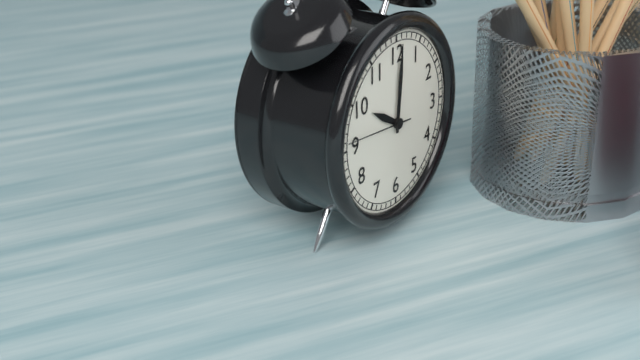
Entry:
10h01m46s
